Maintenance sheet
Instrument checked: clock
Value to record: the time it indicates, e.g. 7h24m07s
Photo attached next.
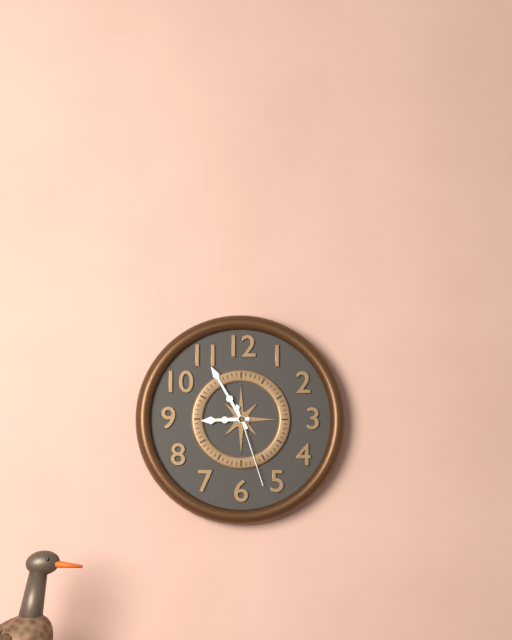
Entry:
8h55m27s
